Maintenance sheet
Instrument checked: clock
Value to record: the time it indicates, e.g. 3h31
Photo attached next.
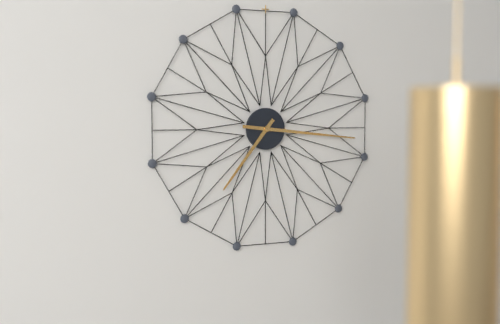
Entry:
7h16
